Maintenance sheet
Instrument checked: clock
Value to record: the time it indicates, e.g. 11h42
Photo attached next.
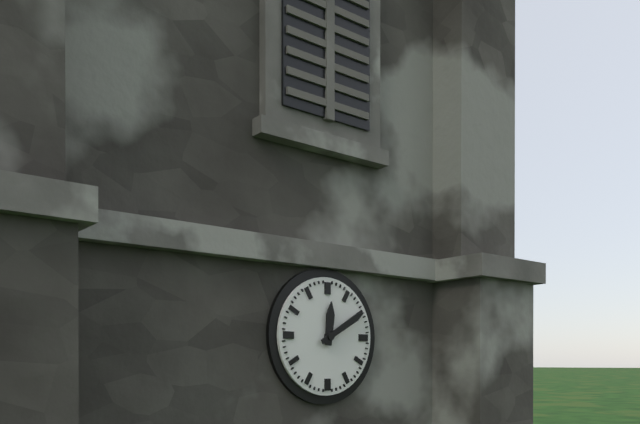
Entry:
12h10
